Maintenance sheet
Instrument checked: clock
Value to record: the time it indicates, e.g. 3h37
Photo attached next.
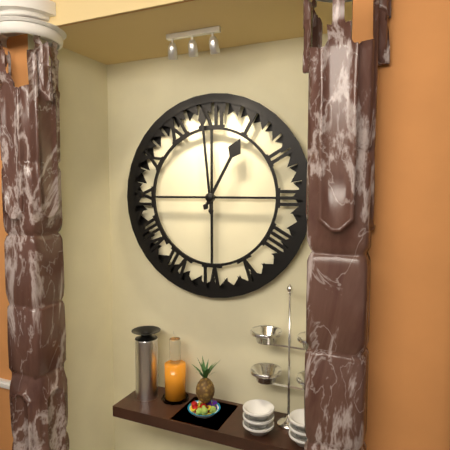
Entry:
12h59
